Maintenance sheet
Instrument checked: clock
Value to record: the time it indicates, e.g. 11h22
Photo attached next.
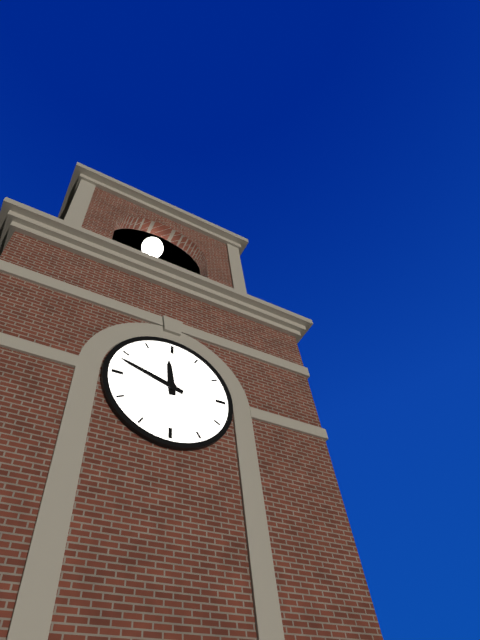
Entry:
11h48
